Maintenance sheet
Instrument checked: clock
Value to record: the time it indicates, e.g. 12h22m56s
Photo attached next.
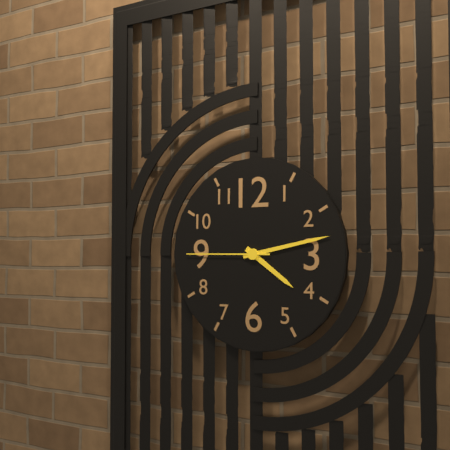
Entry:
4h13m45s
